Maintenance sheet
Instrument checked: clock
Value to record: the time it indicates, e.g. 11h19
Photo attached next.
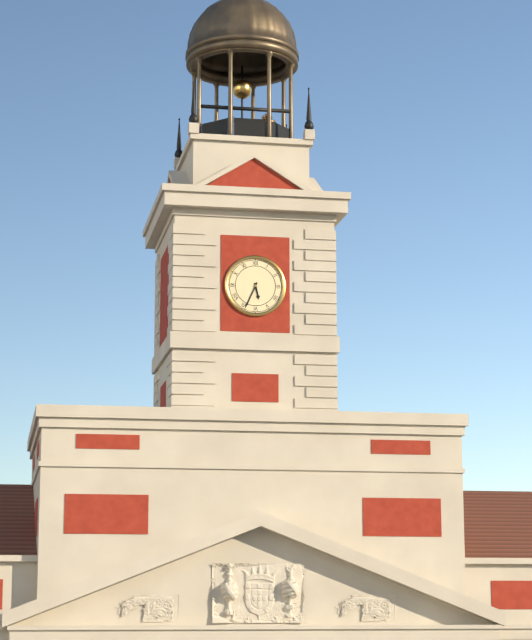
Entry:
5h34
